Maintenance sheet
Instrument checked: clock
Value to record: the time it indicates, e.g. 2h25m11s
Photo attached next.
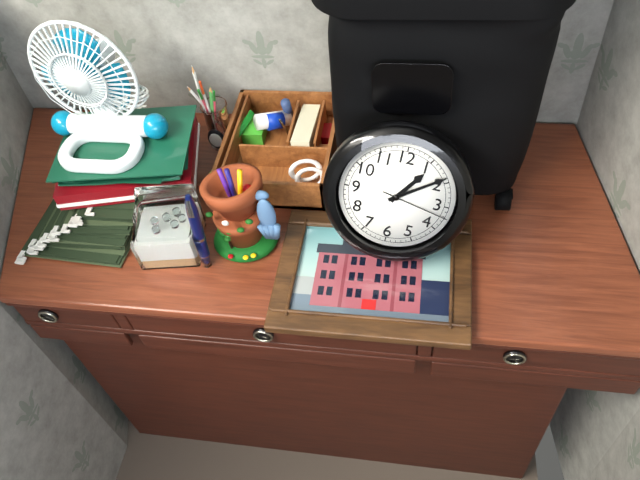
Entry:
1h09m17s
